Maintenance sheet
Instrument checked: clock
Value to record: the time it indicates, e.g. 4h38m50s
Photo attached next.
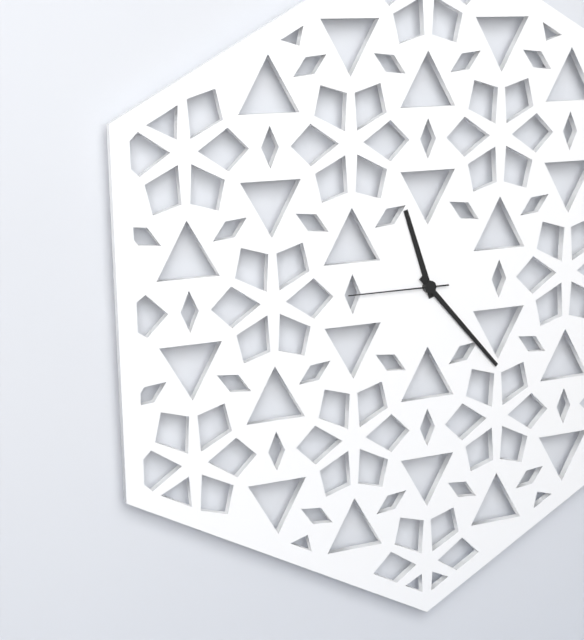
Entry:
11h23m45s
